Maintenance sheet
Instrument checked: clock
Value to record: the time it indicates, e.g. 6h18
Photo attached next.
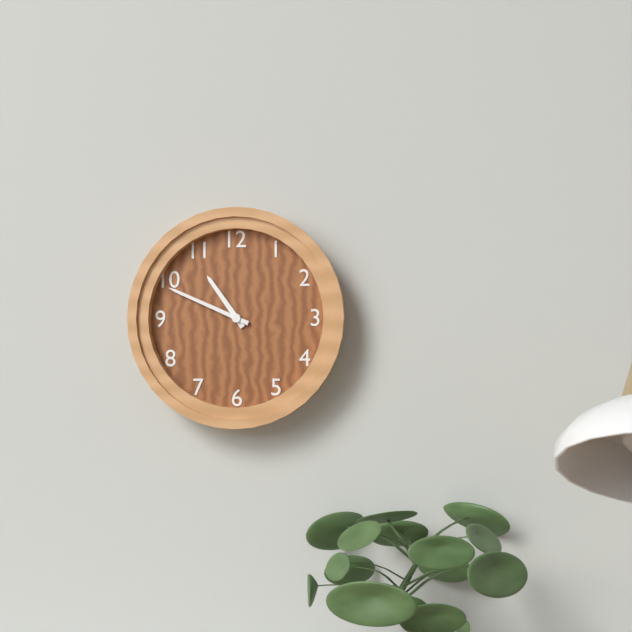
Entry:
10h49
